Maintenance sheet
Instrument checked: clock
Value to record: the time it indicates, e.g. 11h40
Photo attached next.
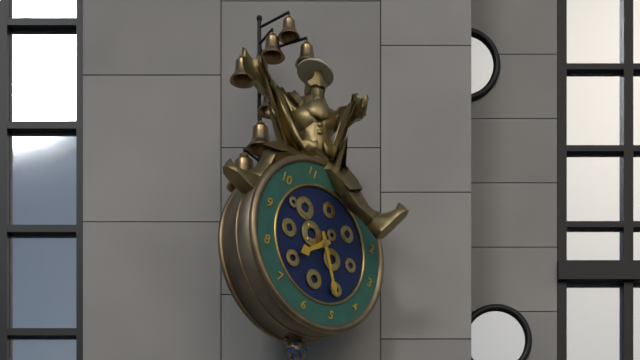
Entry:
7h24
